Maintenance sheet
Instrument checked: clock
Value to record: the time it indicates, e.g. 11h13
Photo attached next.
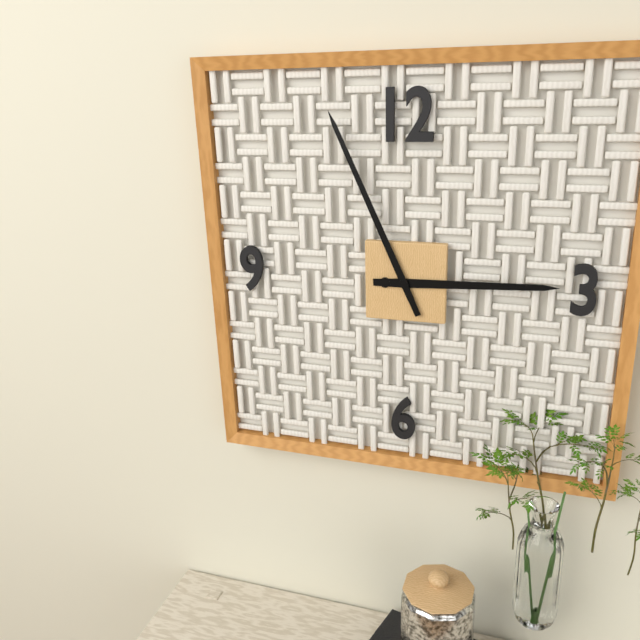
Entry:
2h56
